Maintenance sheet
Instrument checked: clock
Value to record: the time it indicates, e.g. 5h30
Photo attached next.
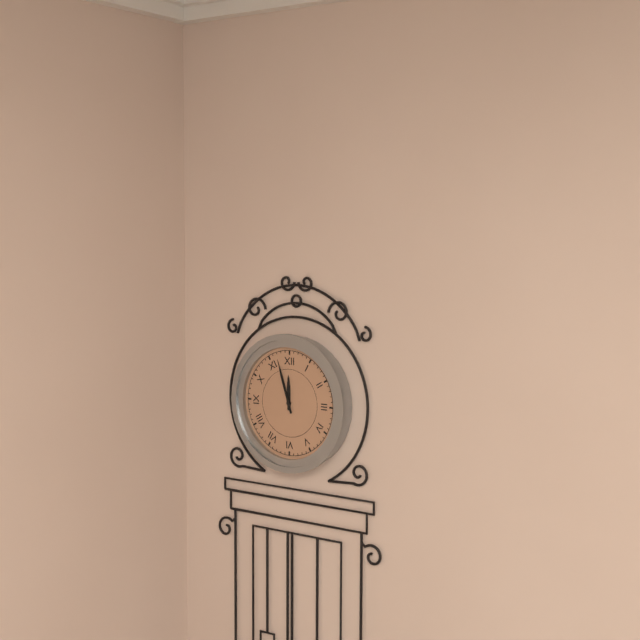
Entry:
11h57
